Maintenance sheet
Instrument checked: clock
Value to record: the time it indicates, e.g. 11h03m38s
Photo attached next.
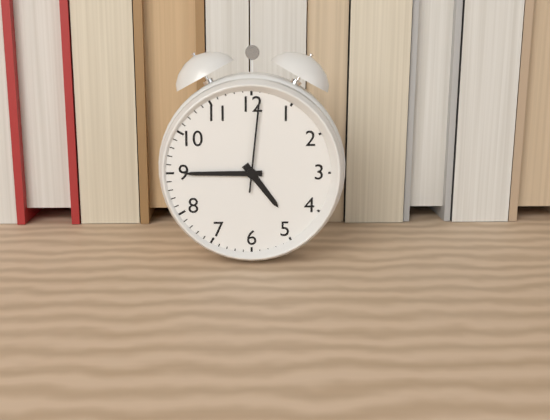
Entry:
4h45m01s
